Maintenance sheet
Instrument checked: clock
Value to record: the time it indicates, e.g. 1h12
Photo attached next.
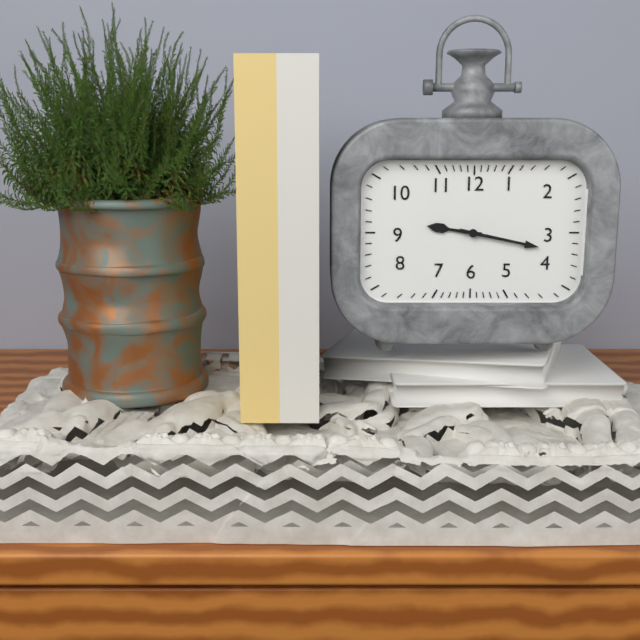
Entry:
9h17
